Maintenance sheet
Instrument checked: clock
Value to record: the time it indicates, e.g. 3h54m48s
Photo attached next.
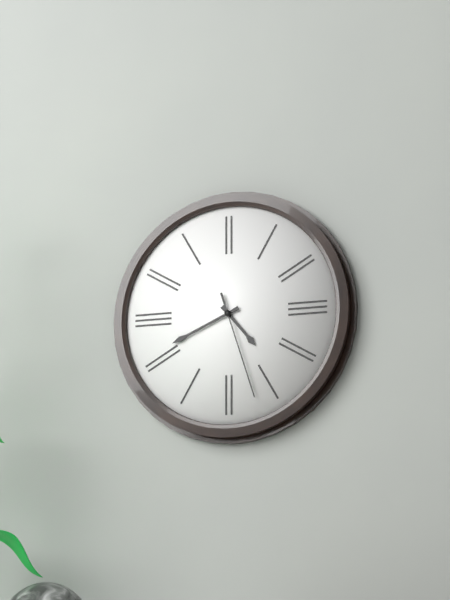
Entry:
4h41m27s
